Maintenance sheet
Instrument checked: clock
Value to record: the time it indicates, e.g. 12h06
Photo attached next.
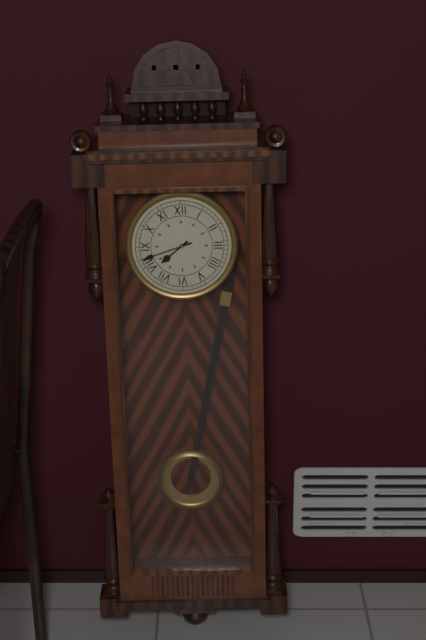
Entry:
7h42
